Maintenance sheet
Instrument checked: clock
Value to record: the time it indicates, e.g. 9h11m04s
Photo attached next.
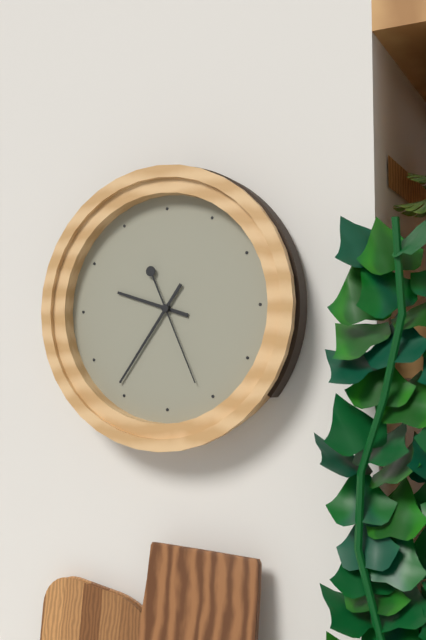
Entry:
9h36m26s
